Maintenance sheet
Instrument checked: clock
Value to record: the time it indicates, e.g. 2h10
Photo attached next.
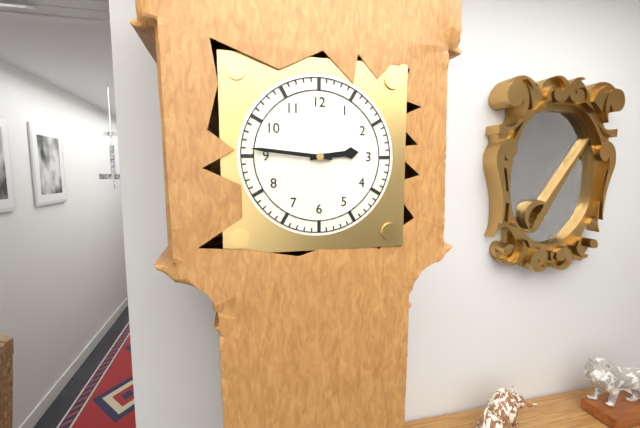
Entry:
2h46
